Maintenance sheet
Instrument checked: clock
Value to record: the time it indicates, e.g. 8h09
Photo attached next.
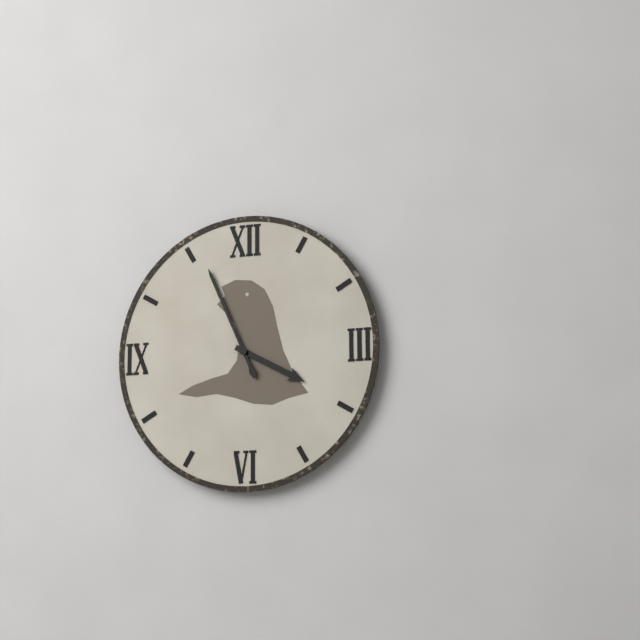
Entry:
3h56
